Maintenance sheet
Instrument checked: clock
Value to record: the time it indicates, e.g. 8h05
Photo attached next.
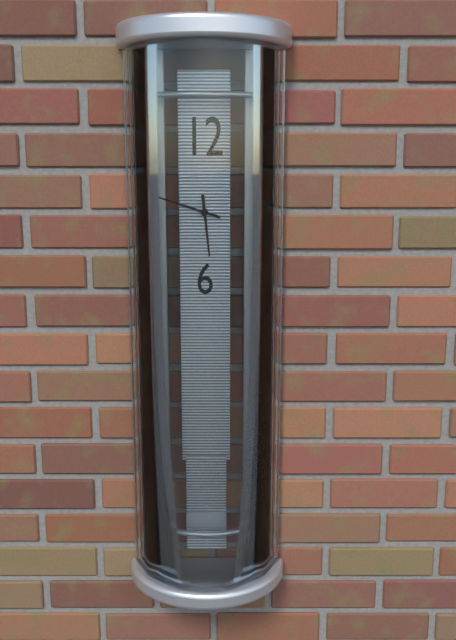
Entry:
5h48
